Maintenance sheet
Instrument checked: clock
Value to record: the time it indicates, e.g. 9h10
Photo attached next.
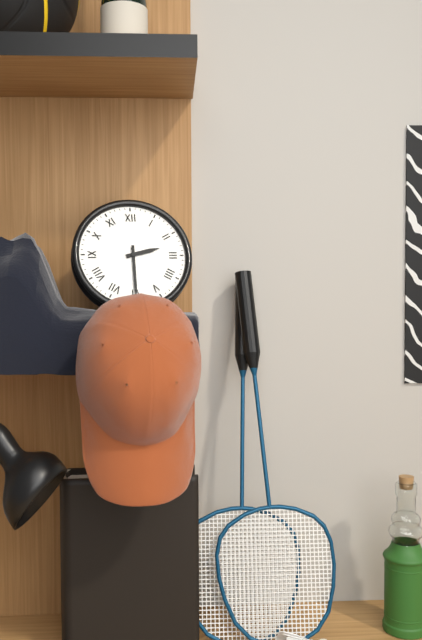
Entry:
2h30
